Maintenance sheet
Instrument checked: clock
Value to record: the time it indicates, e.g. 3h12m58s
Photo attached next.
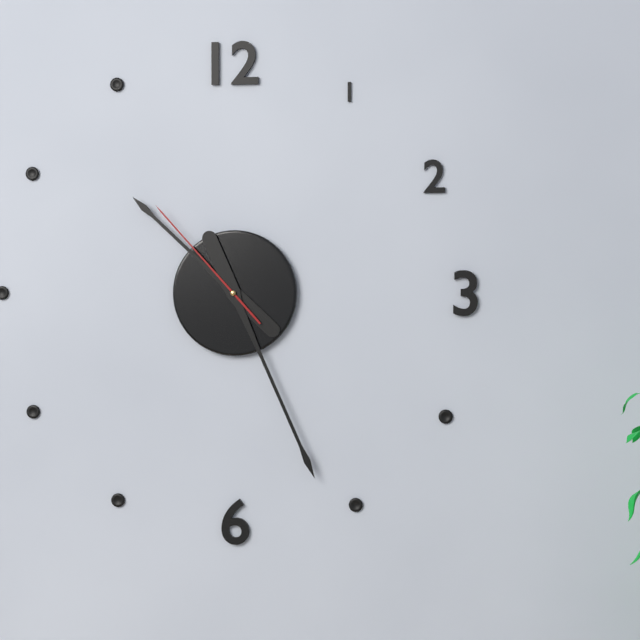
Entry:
10h26m53s
